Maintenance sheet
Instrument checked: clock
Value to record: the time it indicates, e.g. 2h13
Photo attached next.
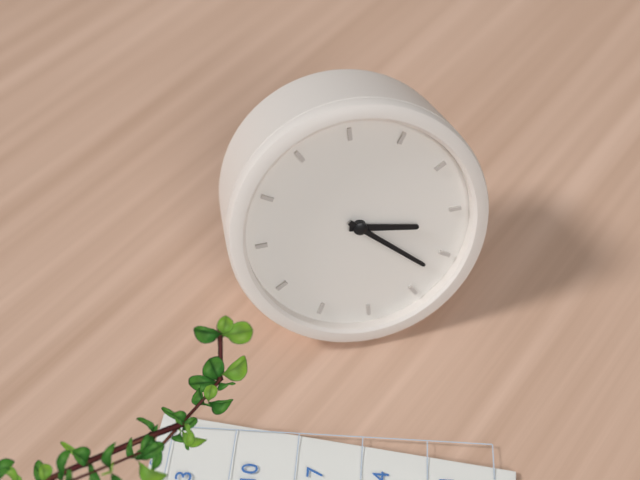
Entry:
3h22
